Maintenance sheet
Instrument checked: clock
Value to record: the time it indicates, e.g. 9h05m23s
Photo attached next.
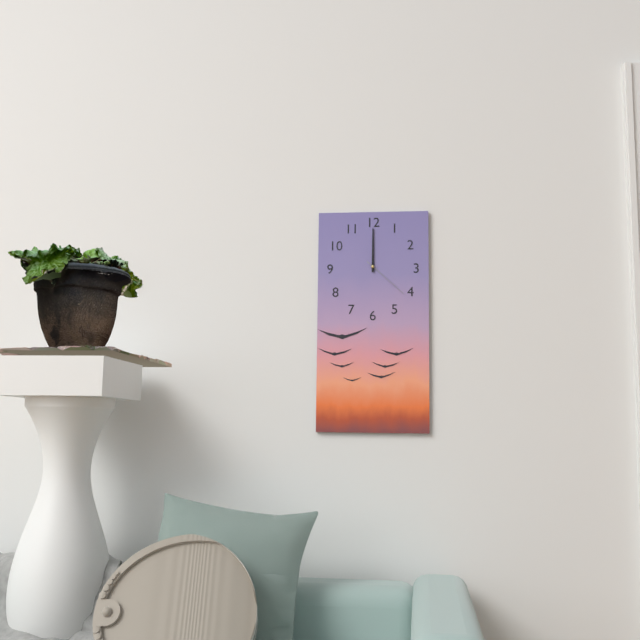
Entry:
12h00m22s
